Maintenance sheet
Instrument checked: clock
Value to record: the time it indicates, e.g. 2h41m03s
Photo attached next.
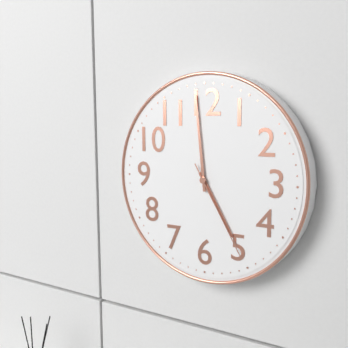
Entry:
4h59m25s
